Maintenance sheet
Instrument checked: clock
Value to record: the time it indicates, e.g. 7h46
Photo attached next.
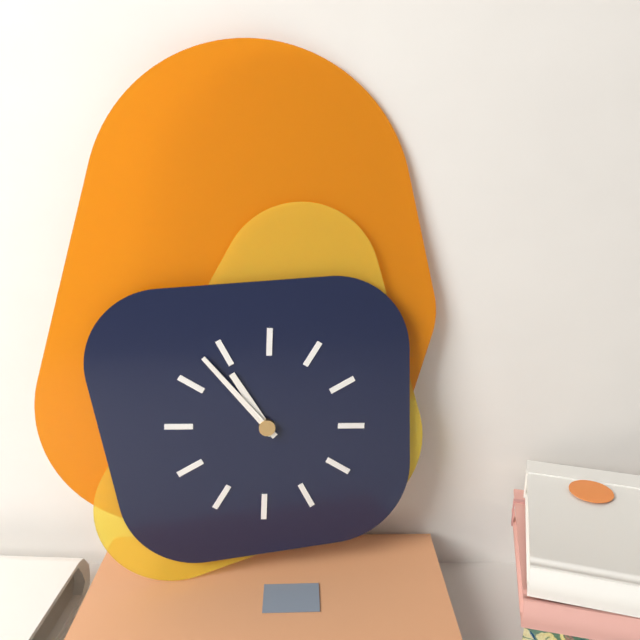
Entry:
10h53
